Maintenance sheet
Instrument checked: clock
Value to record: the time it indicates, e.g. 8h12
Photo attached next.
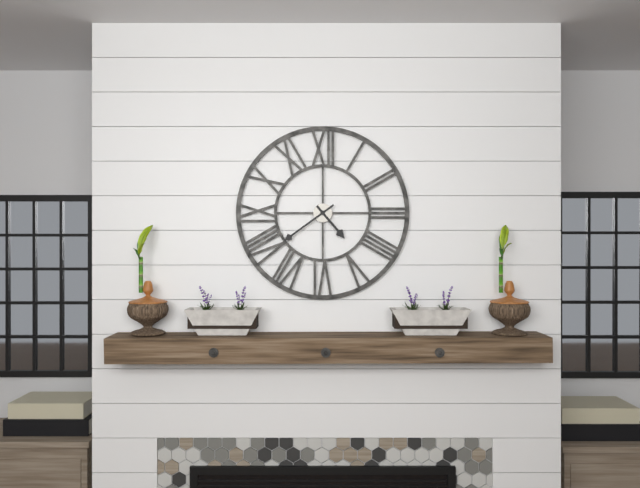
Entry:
4h39
